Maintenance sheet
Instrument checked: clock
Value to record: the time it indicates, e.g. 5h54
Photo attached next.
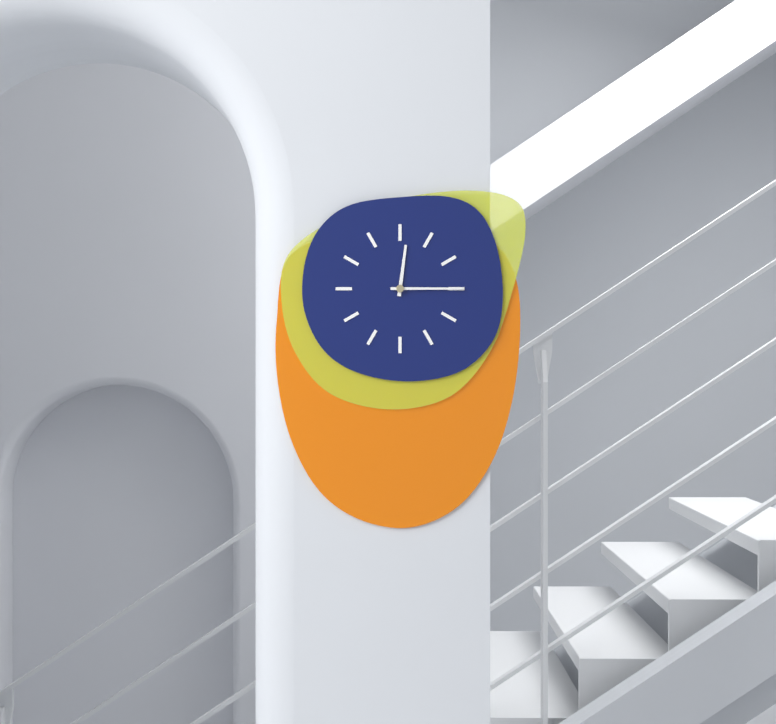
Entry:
12h15
